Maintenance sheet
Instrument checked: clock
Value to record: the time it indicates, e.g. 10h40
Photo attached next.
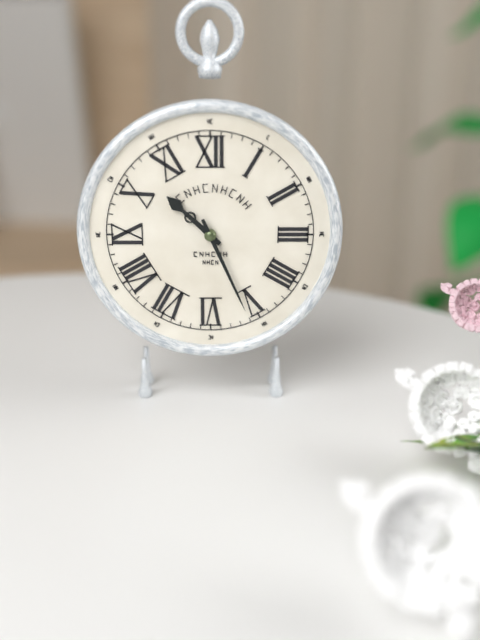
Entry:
10h26
